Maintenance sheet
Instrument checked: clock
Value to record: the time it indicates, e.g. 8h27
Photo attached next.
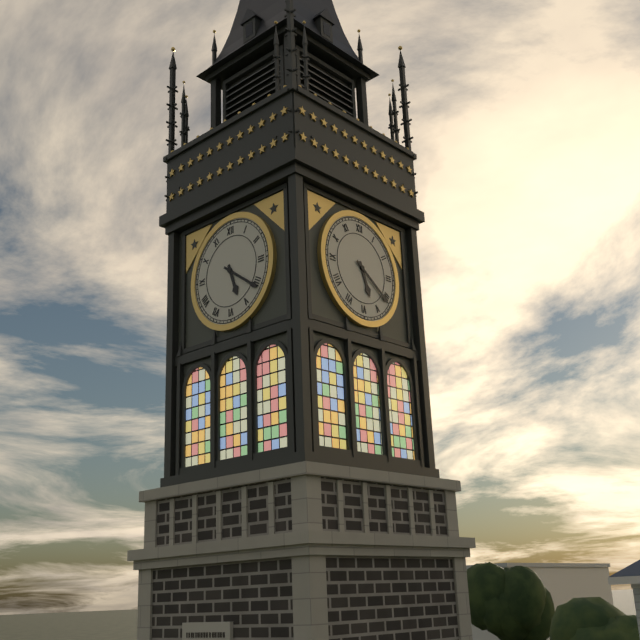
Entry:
5h21
